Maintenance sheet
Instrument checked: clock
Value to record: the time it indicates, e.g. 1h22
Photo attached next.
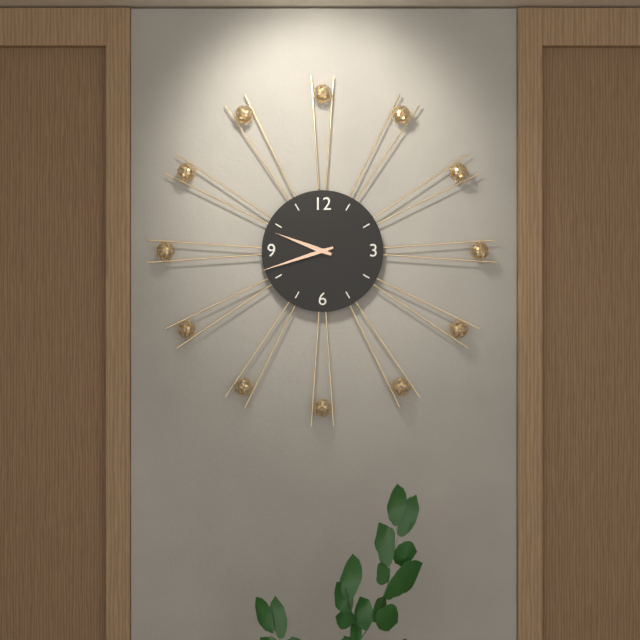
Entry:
9h42
